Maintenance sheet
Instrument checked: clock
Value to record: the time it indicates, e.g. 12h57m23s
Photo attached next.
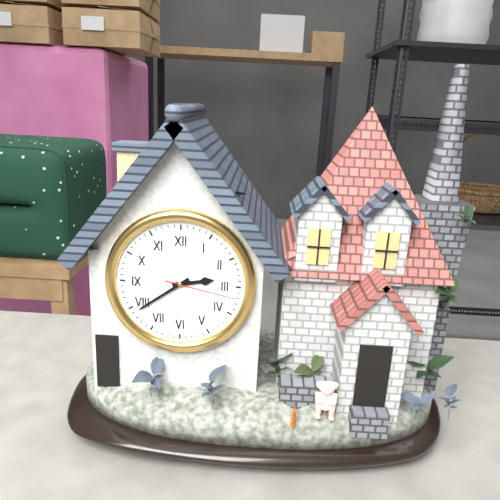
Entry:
2h39m17s
